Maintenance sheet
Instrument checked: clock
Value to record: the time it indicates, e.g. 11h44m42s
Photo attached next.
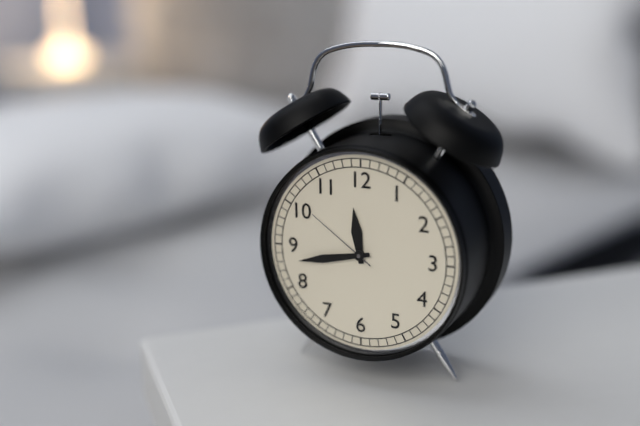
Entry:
11h43m51s
